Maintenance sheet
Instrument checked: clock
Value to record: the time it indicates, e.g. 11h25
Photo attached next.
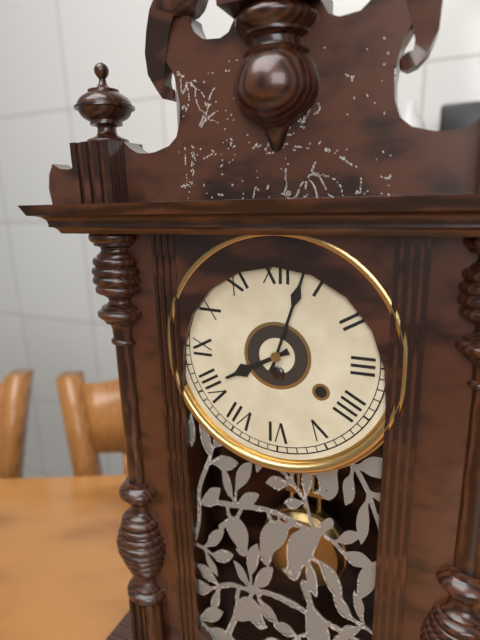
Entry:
8h03
